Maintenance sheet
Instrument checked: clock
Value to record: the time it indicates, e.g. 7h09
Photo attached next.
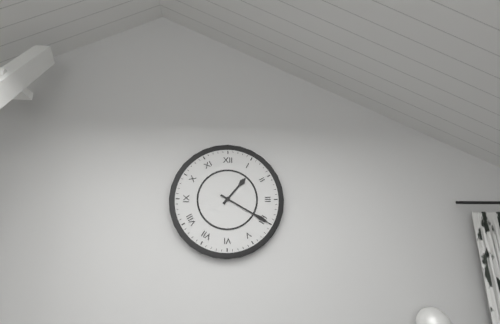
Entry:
1h20
